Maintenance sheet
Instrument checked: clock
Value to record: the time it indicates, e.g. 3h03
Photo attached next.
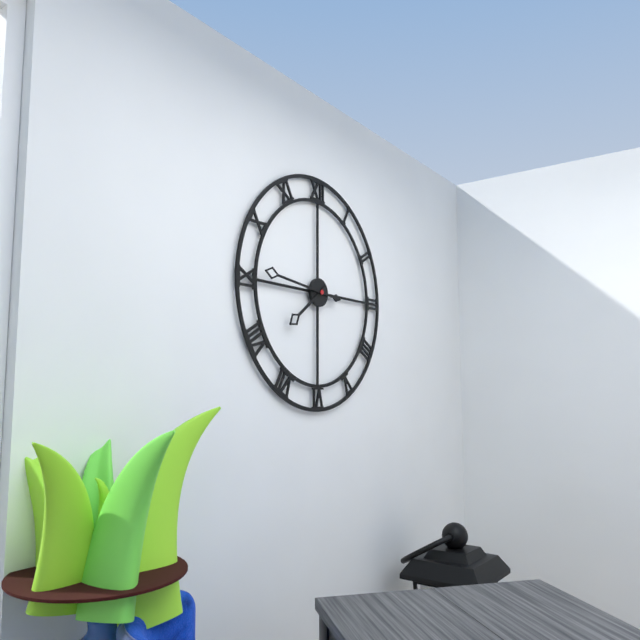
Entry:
7h46
